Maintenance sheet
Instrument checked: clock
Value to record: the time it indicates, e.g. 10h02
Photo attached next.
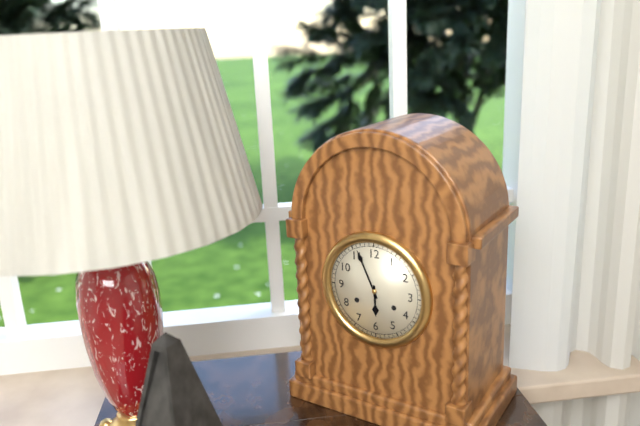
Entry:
5h56
